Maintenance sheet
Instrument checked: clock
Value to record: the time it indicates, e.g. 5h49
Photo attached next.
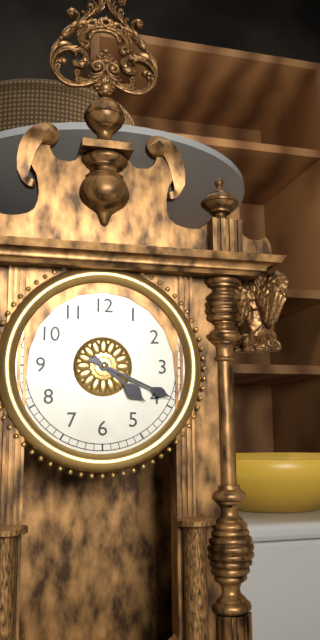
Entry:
4h19
